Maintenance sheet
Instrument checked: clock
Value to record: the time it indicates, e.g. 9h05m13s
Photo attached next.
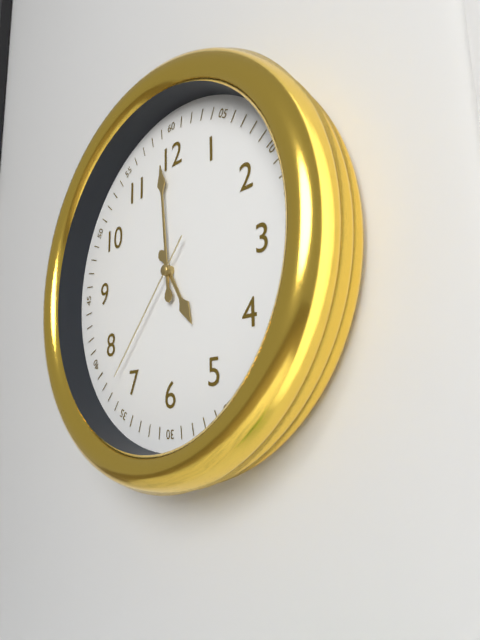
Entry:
4h59m37s
